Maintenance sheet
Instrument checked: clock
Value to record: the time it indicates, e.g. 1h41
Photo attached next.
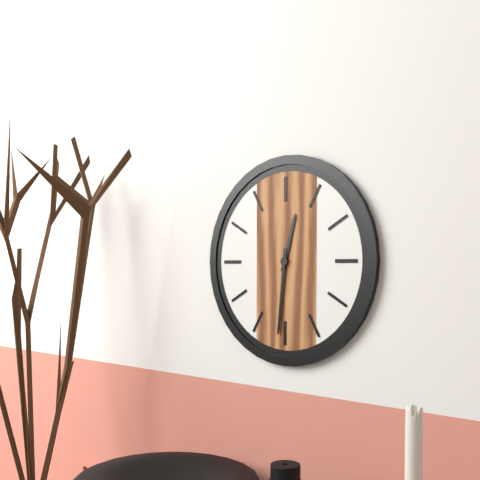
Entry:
12h31
